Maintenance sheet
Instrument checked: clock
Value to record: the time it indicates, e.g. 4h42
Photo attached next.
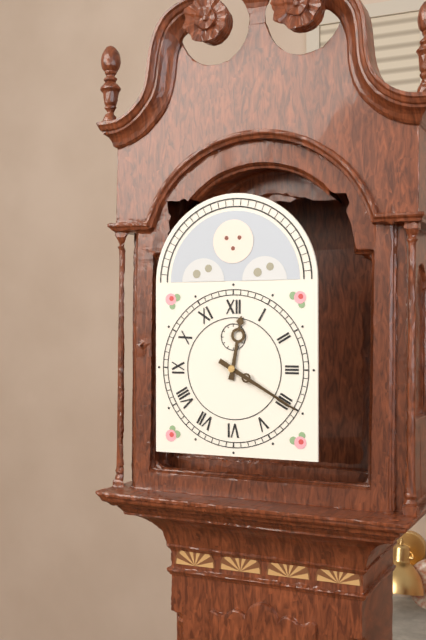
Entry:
12h20
